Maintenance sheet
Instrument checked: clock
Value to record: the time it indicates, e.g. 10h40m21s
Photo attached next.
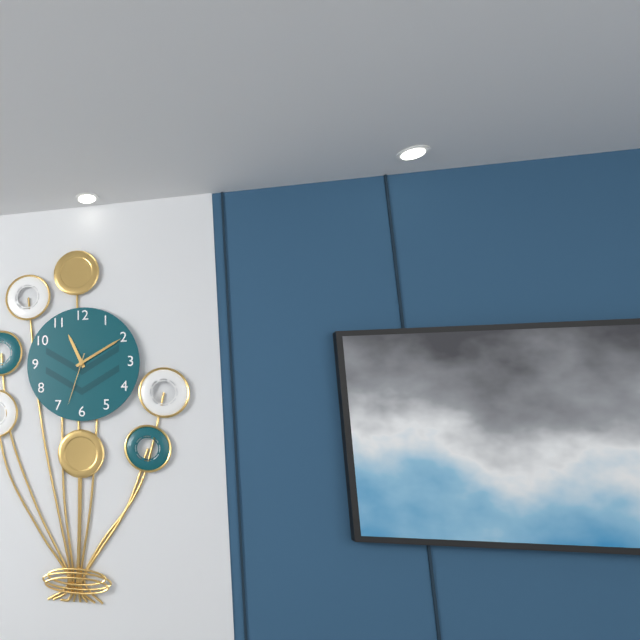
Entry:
11h10m33s
